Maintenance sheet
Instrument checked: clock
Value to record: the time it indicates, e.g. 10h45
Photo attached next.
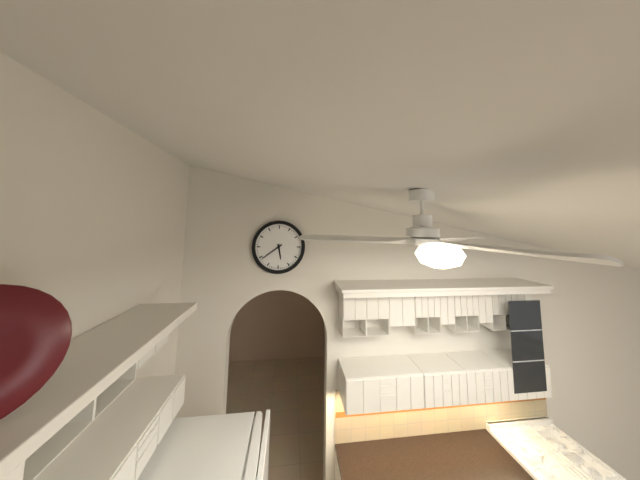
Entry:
5h39
